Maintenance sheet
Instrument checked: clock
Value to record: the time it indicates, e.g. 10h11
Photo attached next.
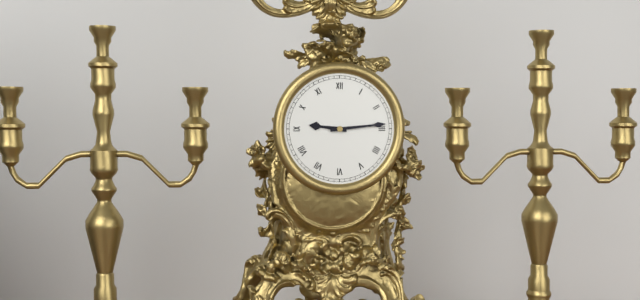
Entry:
9h14
